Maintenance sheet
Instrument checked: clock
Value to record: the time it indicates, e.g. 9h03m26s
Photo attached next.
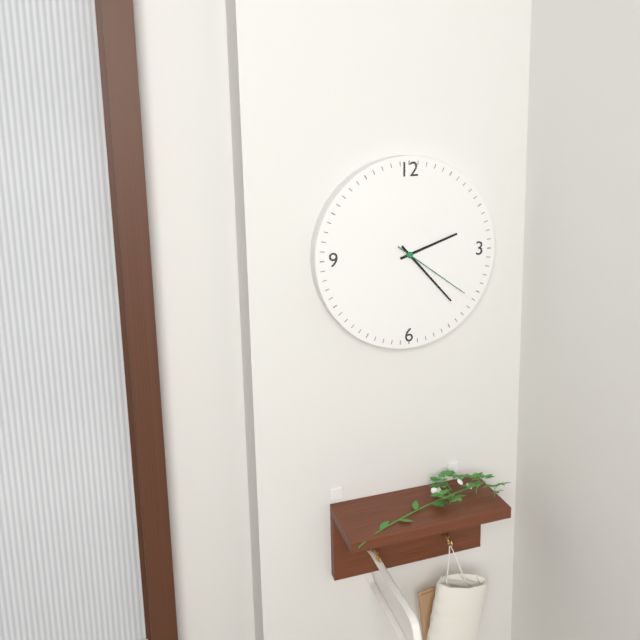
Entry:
2h23m21s
